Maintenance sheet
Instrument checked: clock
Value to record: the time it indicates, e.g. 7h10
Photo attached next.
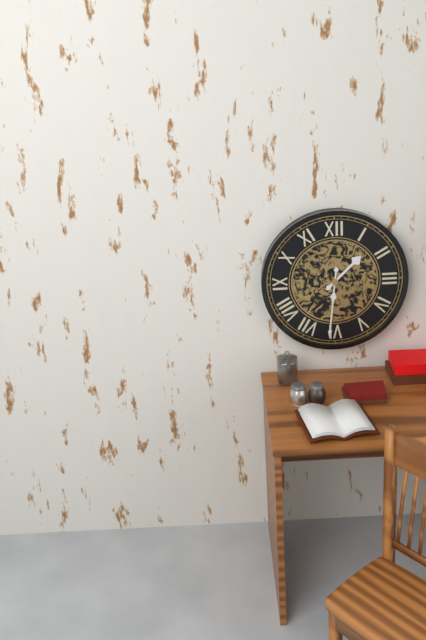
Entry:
1h31
